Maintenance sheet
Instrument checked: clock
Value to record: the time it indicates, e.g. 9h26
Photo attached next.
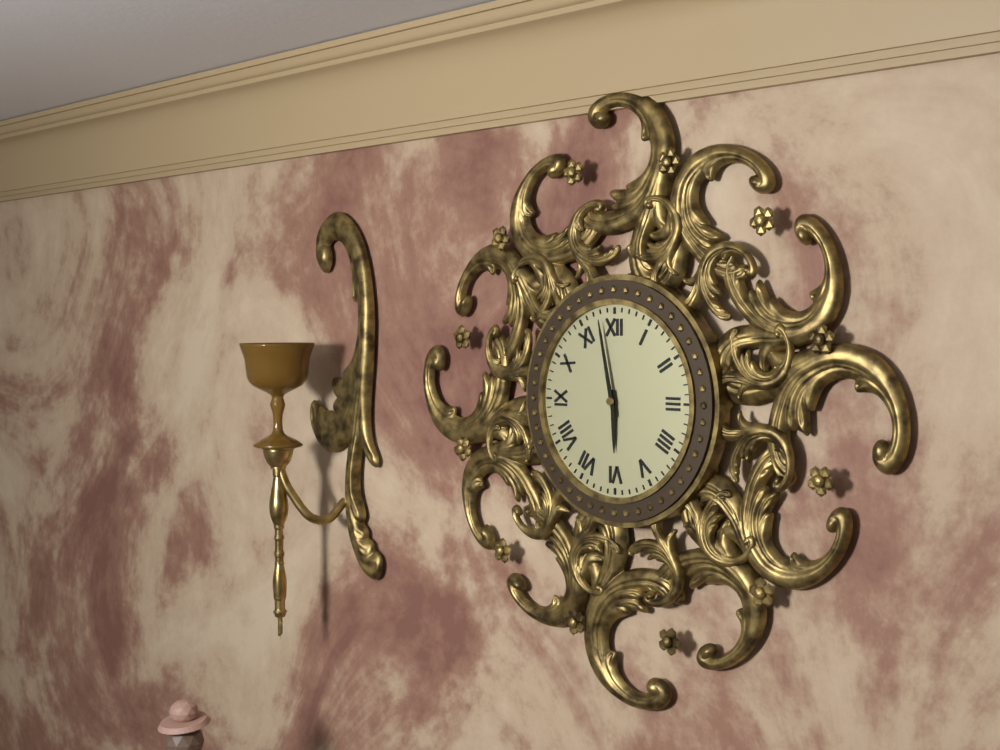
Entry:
5h58
